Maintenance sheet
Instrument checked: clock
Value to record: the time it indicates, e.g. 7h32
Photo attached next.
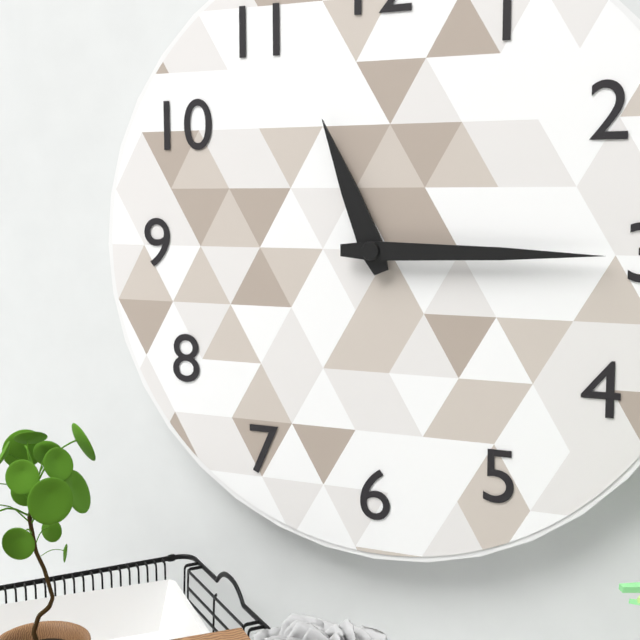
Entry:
11h15
